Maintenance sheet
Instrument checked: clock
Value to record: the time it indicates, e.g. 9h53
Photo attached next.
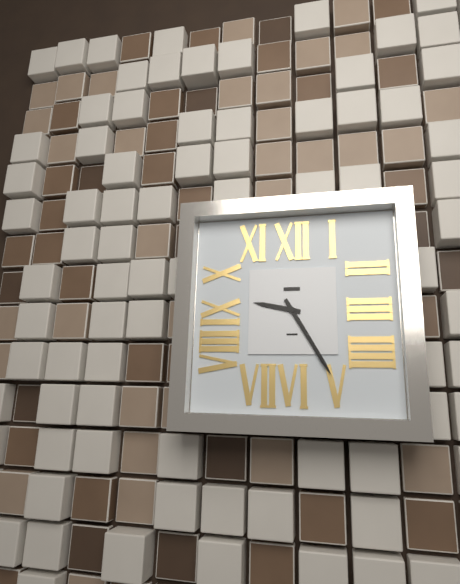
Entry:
9h25
